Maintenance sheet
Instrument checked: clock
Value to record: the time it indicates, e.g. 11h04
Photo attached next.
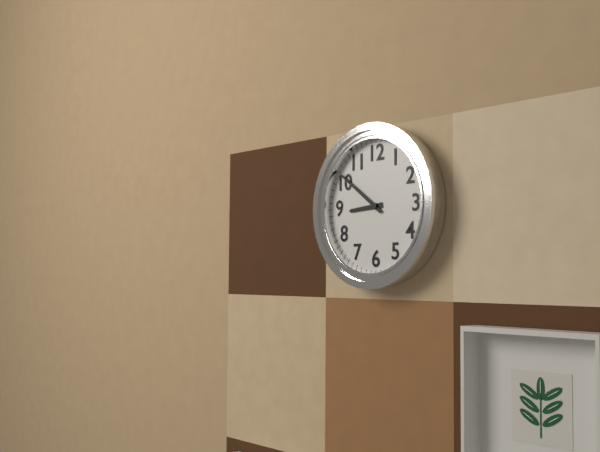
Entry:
8h51
